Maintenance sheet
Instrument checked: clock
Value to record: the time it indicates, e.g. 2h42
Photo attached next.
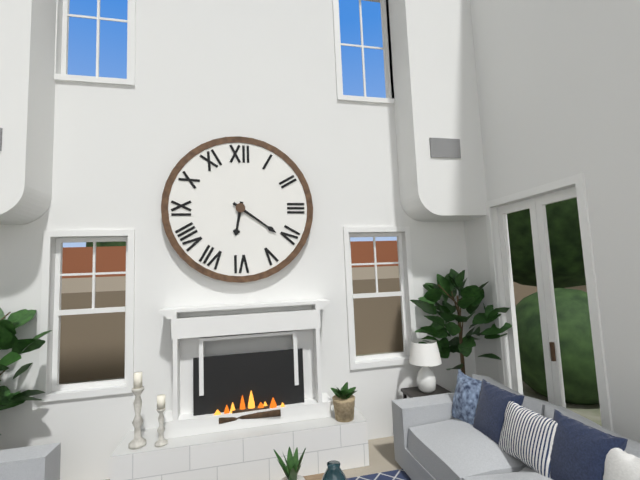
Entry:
6h21
